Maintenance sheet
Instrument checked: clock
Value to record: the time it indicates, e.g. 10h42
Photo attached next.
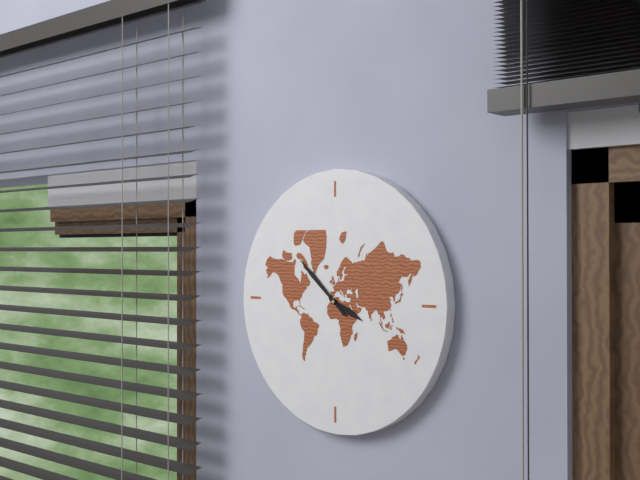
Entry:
3h52
